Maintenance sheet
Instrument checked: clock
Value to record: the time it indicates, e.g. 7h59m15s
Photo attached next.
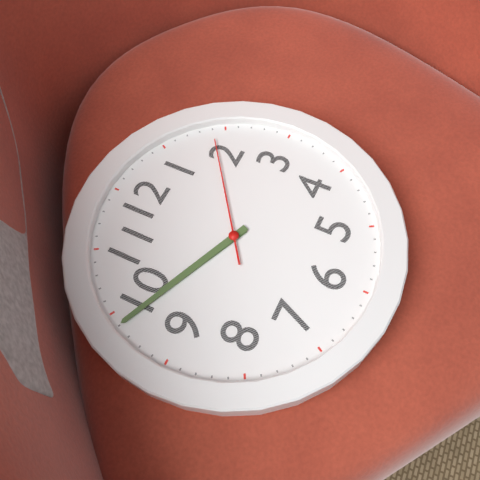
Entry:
9h49m09s
